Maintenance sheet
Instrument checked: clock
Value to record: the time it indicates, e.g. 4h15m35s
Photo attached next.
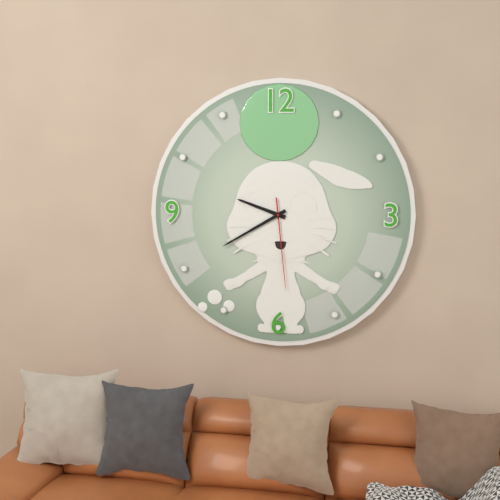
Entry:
9h40m29s
